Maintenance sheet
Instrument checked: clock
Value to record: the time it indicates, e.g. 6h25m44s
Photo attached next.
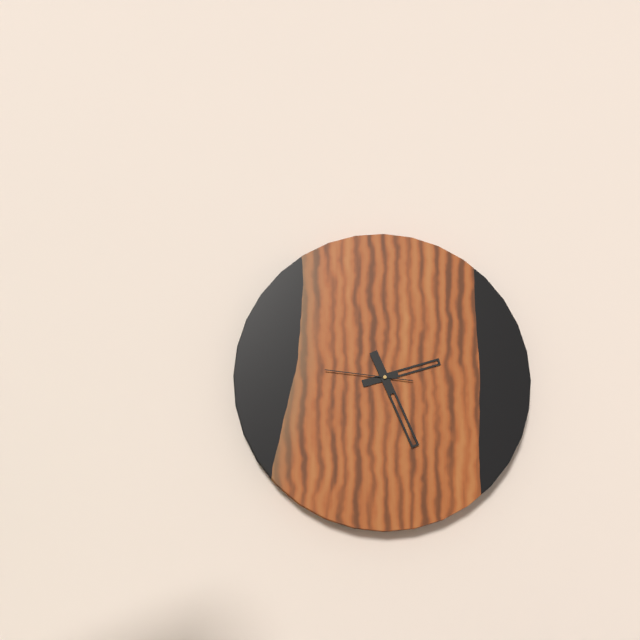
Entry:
2h26m46s
